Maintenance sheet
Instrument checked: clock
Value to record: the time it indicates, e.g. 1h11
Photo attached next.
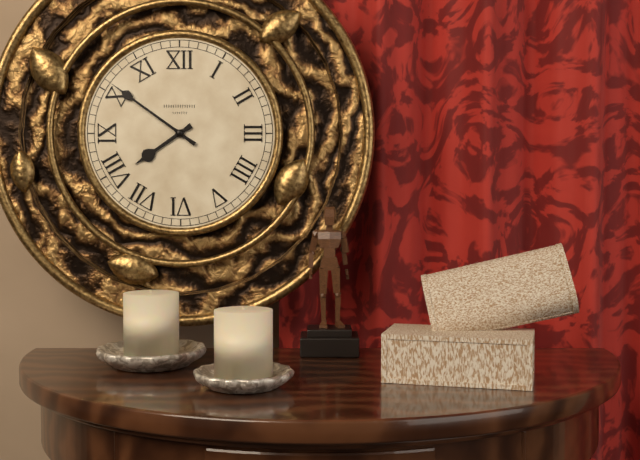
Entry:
7h51
